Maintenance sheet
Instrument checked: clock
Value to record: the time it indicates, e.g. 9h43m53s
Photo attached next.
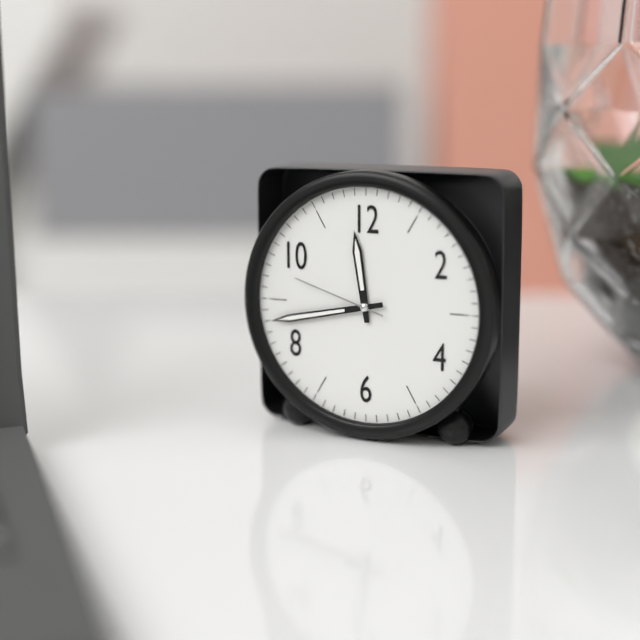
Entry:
11h43m48s
